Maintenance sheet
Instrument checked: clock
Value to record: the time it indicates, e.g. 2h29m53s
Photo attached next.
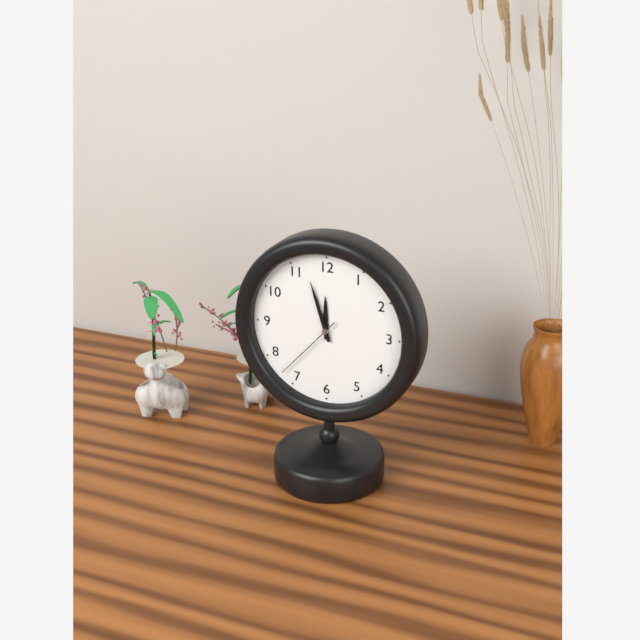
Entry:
11h57m37s
